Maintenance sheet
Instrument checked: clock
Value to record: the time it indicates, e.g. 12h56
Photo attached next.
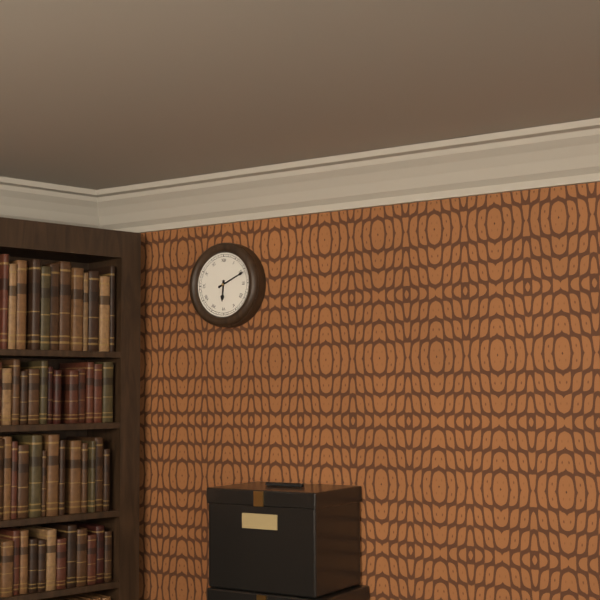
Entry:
6h11
